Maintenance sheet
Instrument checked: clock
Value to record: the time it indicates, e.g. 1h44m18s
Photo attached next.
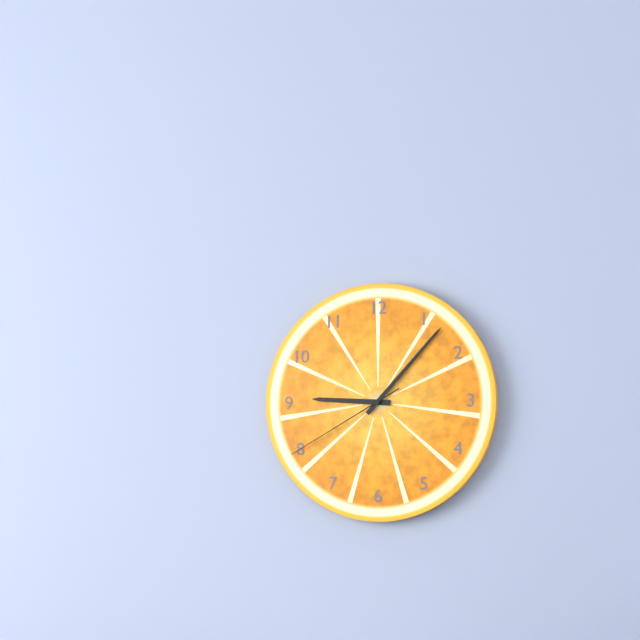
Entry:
9h07m40s
